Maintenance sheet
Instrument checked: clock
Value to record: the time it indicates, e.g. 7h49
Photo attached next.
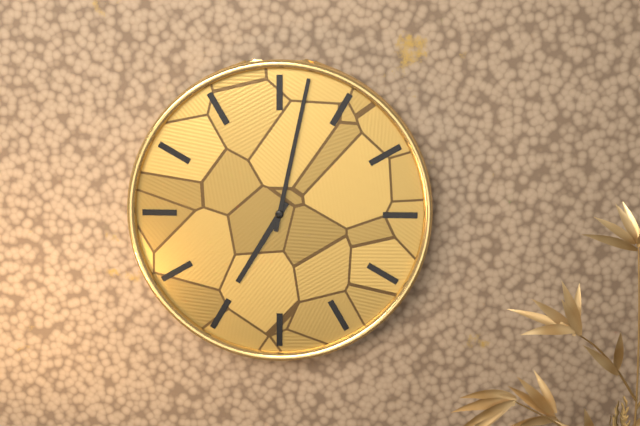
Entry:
7h02
